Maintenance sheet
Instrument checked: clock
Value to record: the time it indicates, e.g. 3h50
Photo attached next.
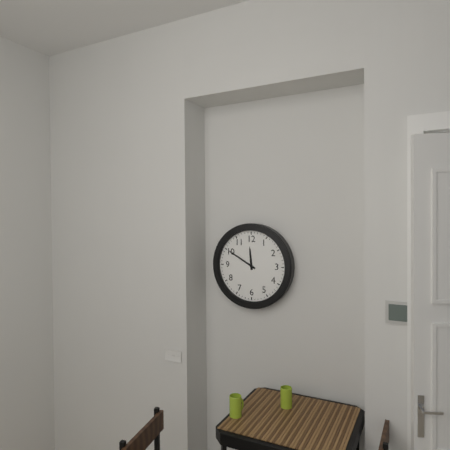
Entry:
11h50
